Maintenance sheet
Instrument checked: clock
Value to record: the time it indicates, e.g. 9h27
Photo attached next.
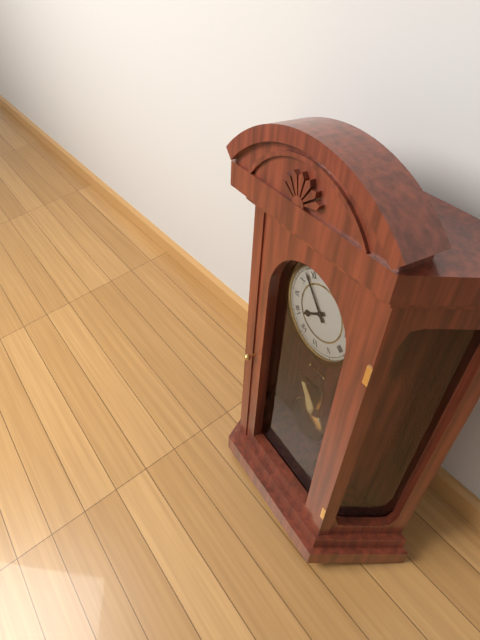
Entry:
7h53
